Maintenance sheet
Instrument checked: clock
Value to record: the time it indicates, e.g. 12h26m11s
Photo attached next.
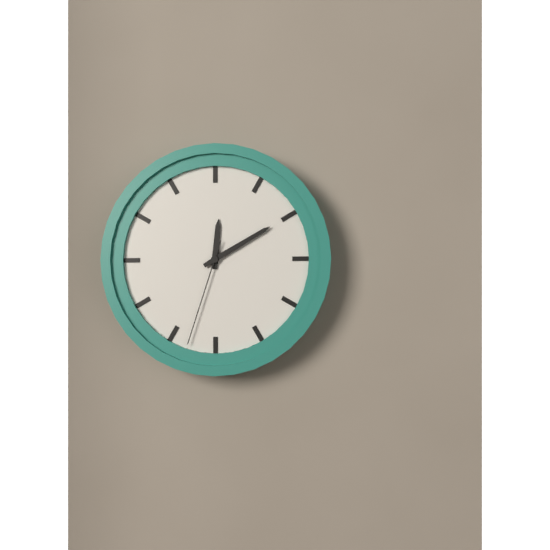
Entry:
12h10m33s
